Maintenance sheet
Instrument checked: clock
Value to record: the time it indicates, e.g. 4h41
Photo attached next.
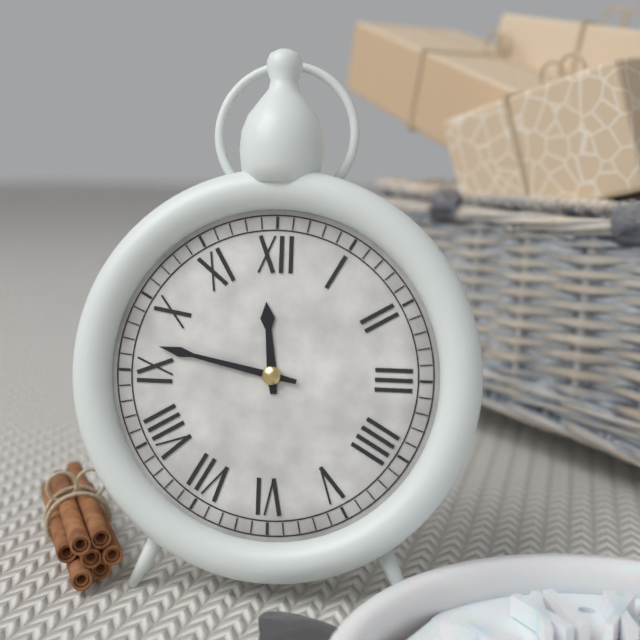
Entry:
11h47
